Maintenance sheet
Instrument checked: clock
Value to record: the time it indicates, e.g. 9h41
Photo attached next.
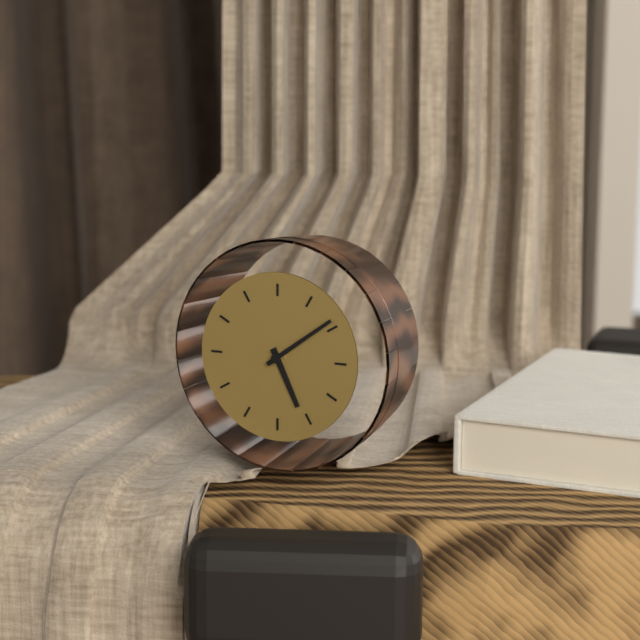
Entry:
5h09
